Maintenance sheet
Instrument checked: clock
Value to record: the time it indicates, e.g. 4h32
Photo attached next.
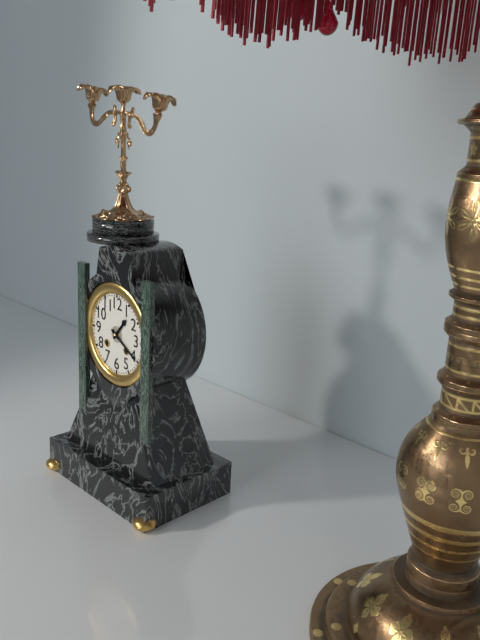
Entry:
1h20
